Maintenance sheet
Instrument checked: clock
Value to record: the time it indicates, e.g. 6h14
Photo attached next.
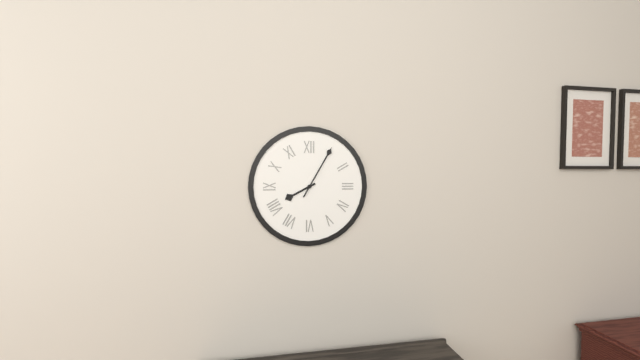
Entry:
8h05
